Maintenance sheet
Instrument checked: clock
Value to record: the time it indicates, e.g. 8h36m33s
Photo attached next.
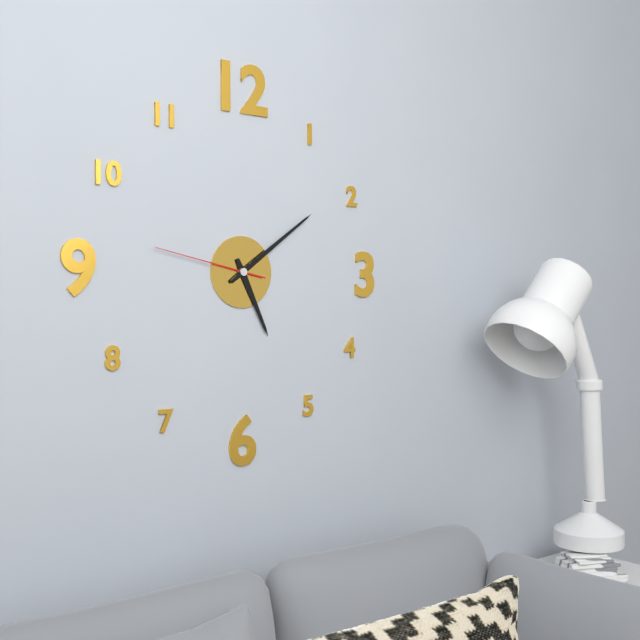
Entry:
5h09m47s
